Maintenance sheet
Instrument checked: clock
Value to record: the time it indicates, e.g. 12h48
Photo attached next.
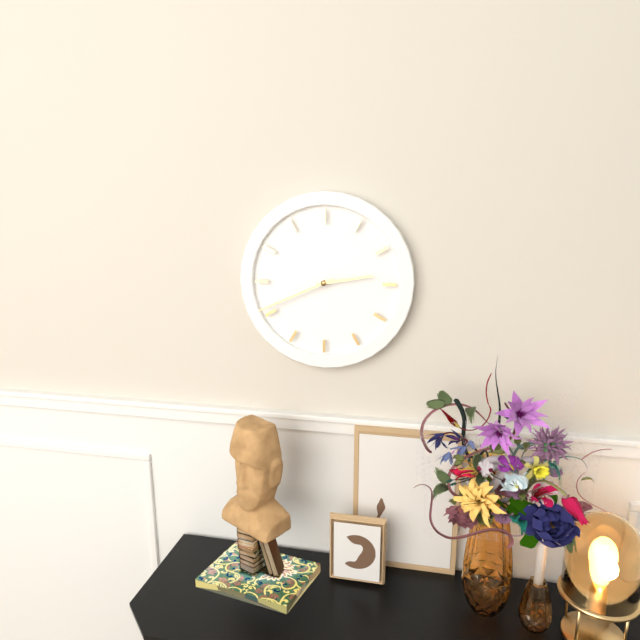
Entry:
2h41
